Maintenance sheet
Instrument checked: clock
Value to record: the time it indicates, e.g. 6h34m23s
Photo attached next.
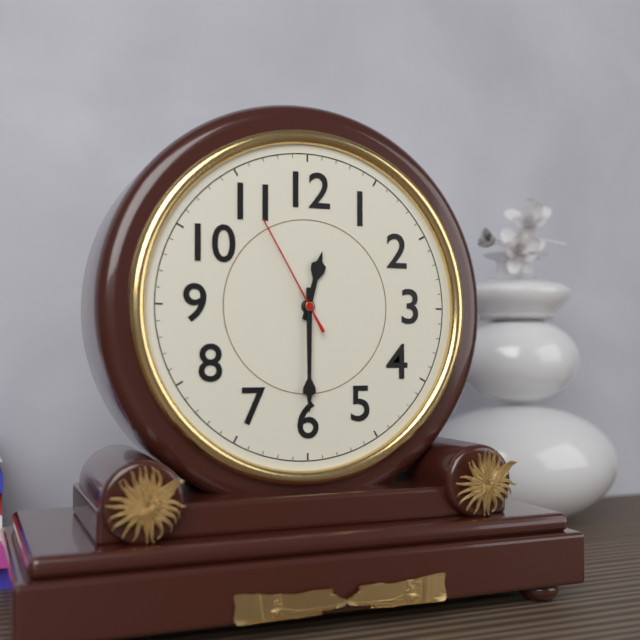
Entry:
12h30m55s
